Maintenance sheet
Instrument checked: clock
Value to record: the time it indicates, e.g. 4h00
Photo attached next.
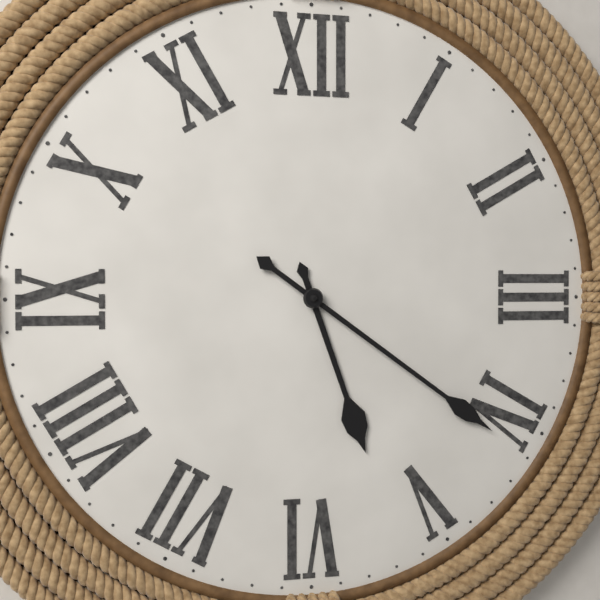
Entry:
5h21
